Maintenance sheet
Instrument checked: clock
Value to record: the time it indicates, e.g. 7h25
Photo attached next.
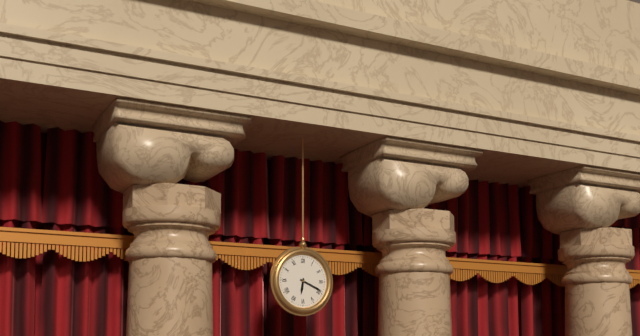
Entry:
6h19
